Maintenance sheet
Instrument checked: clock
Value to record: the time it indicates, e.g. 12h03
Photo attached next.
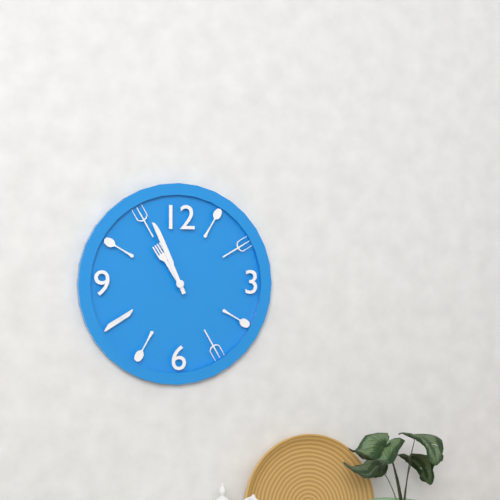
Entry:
10h56
